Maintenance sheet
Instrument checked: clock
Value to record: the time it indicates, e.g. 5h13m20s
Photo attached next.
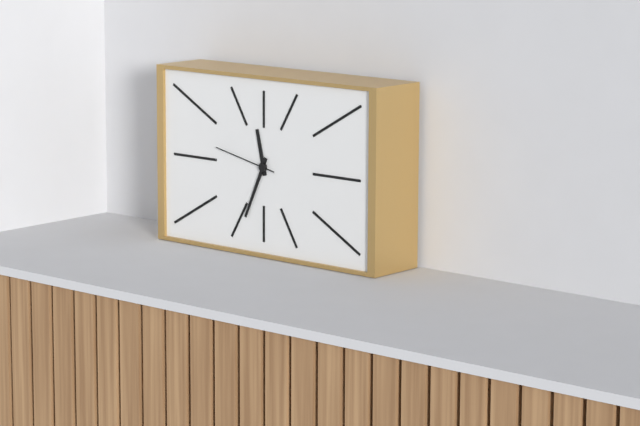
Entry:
11h34m47s
